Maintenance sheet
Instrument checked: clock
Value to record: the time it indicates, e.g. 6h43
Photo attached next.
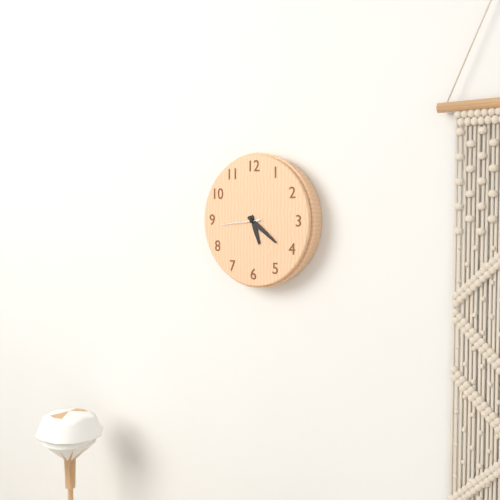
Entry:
5h21
